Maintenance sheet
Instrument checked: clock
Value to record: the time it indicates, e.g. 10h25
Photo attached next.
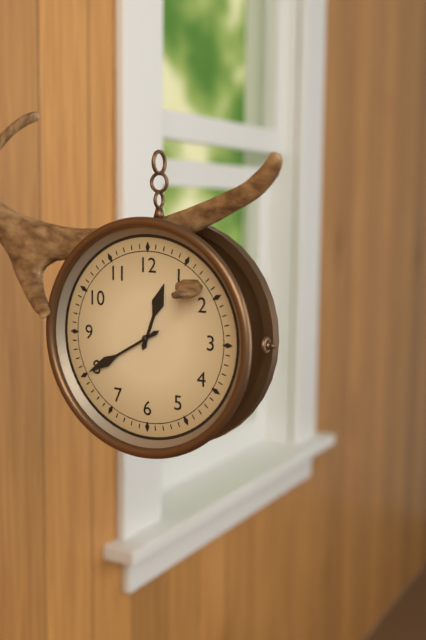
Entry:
12h40
